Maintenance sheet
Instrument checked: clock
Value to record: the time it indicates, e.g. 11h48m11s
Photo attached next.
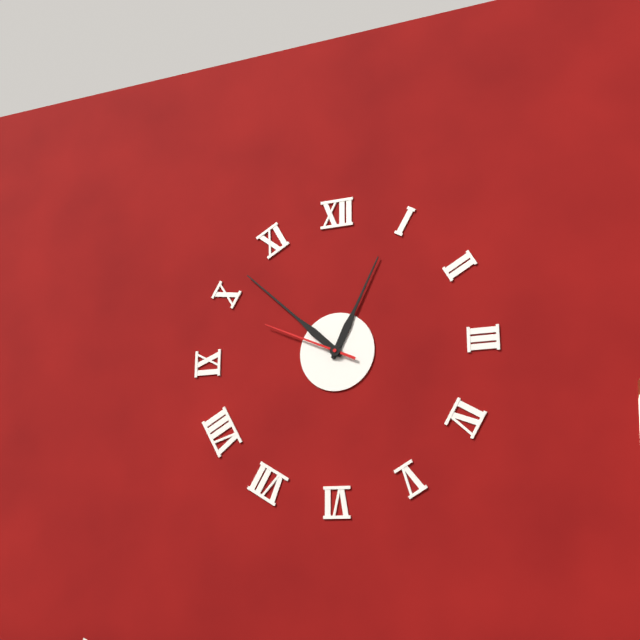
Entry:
12h52m49s
